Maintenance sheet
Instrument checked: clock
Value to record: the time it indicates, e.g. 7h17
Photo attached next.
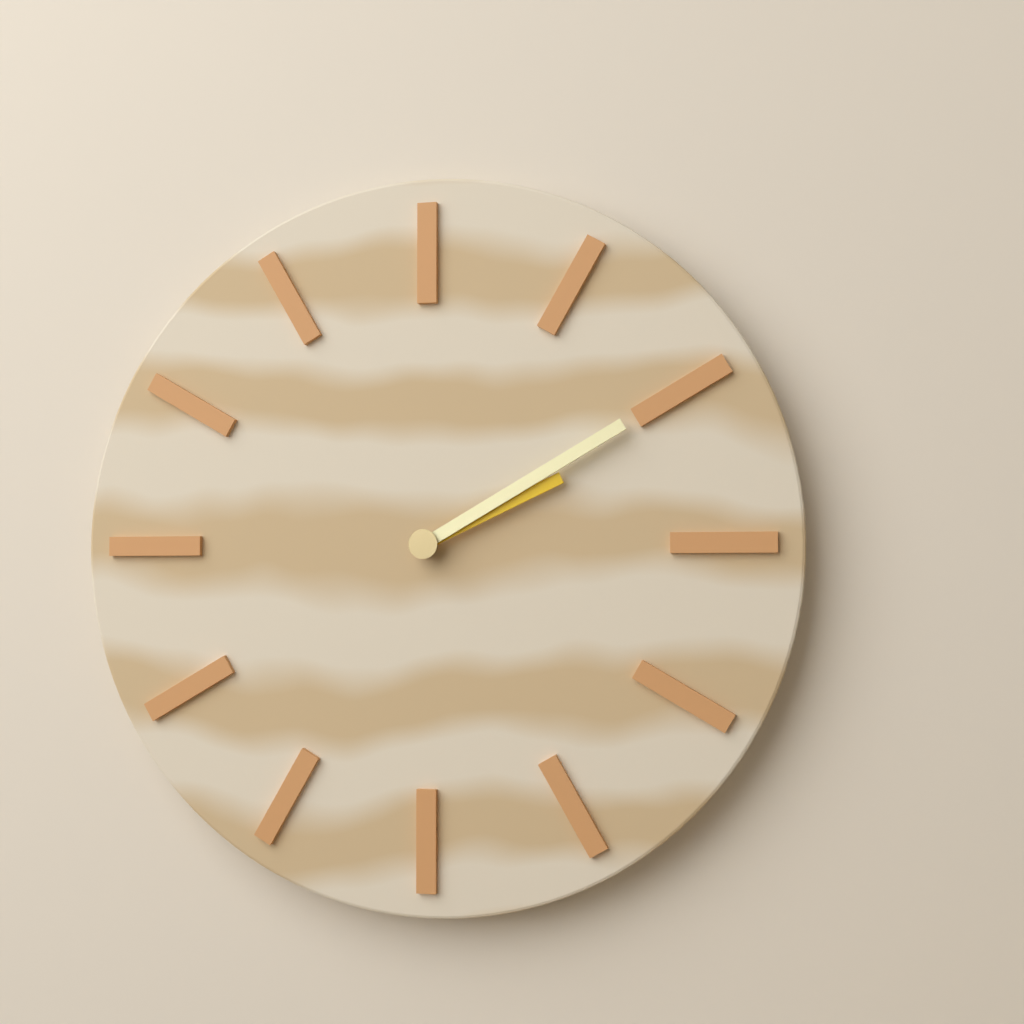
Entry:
2h10
